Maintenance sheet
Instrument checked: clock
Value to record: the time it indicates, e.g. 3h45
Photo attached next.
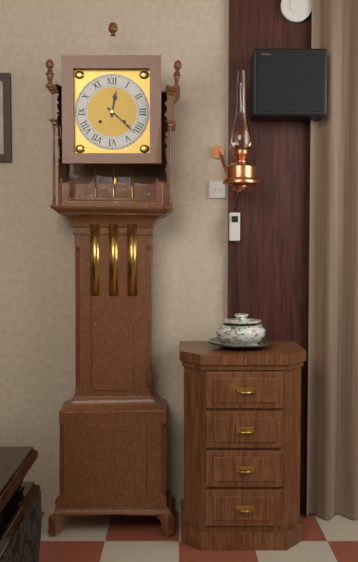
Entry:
12h22
